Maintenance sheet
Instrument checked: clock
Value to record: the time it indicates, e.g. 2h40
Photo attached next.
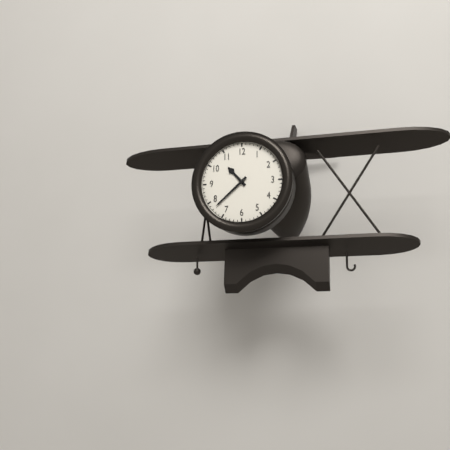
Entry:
10h38
